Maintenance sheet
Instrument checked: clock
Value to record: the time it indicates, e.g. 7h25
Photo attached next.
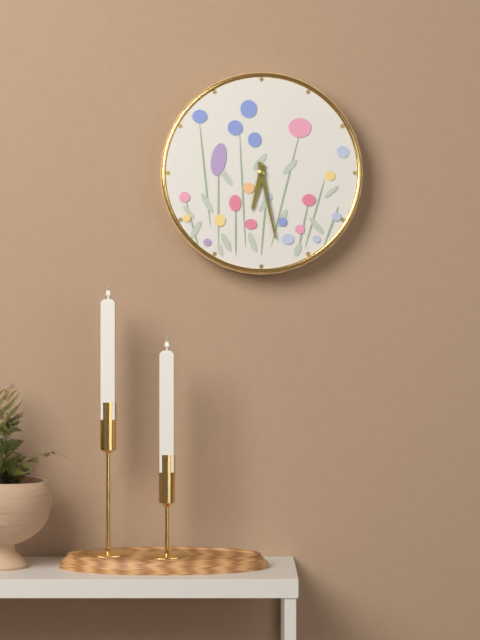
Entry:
6h28
